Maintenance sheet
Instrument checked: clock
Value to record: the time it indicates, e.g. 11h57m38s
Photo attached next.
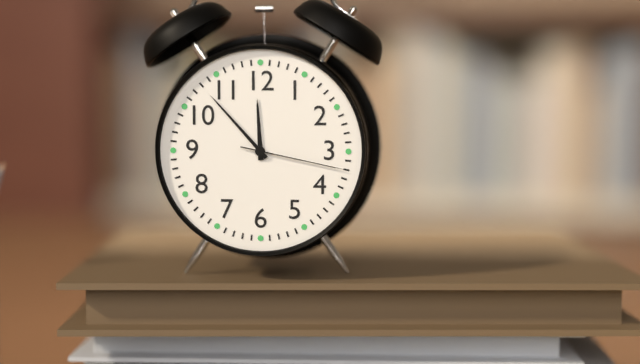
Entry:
11h53m17s
